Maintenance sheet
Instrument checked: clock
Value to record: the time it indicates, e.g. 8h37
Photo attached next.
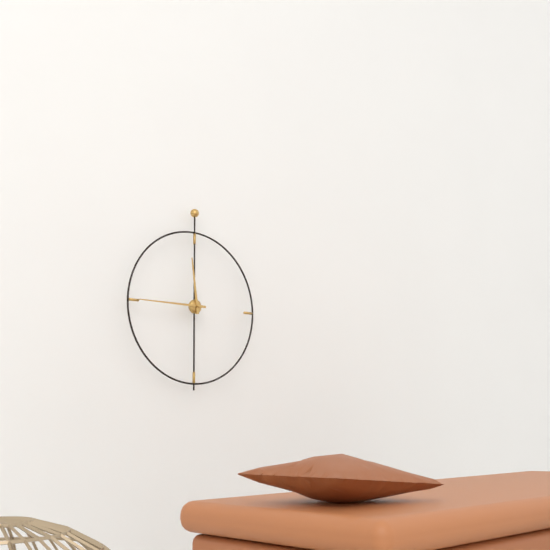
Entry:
11h45
